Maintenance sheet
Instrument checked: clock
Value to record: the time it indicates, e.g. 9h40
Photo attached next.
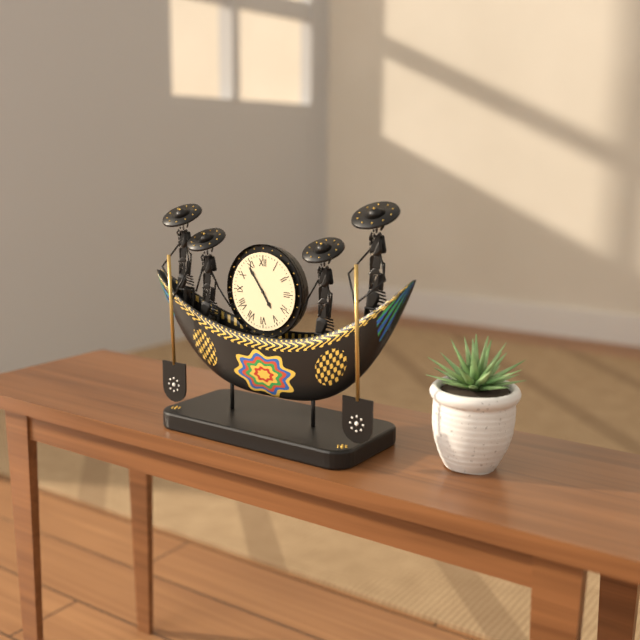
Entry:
4h54
